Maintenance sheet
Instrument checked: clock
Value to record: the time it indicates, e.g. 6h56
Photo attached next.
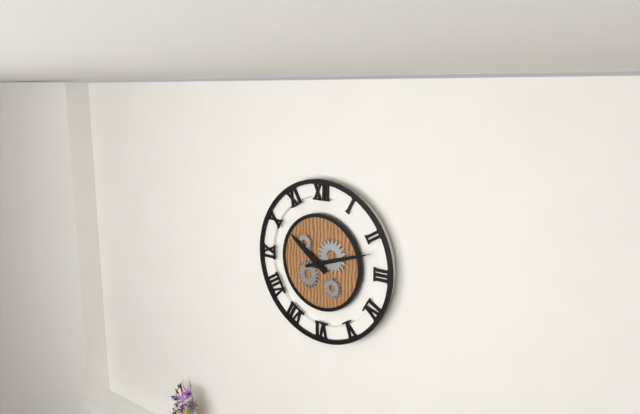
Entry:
10h12
